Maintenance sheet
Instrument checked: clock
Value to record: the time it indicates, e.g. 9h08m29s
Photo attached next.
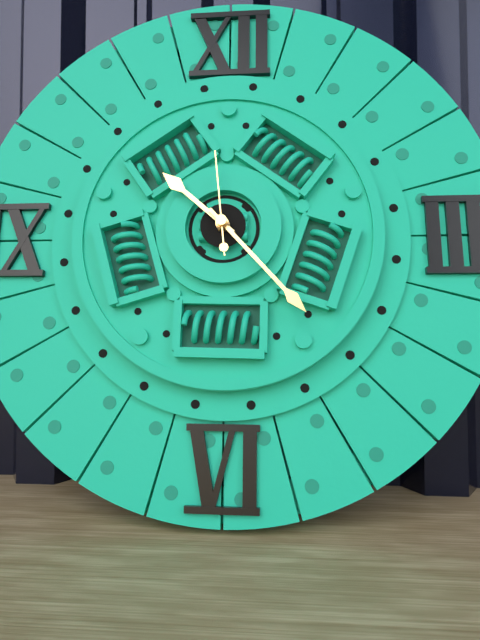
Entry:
10h23m59s
